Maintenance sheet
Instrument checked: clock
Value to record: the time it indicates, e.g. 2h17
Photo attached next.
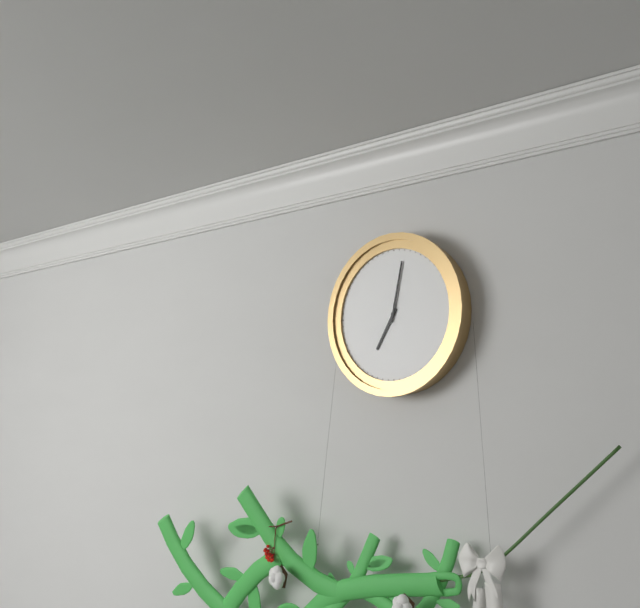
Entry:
7h02
